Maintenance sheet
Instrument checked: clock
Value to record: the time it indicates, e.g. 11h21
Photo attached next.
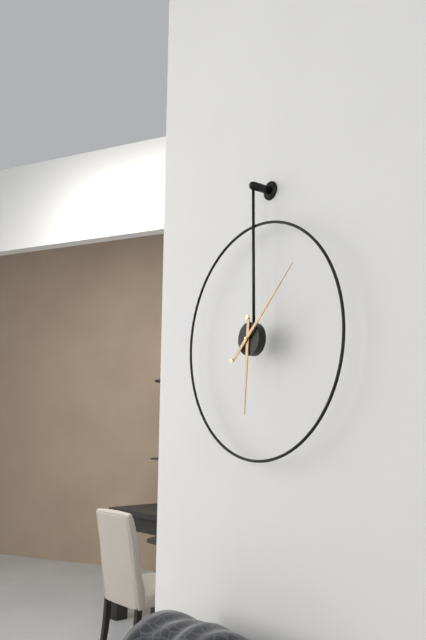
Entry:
6h08
